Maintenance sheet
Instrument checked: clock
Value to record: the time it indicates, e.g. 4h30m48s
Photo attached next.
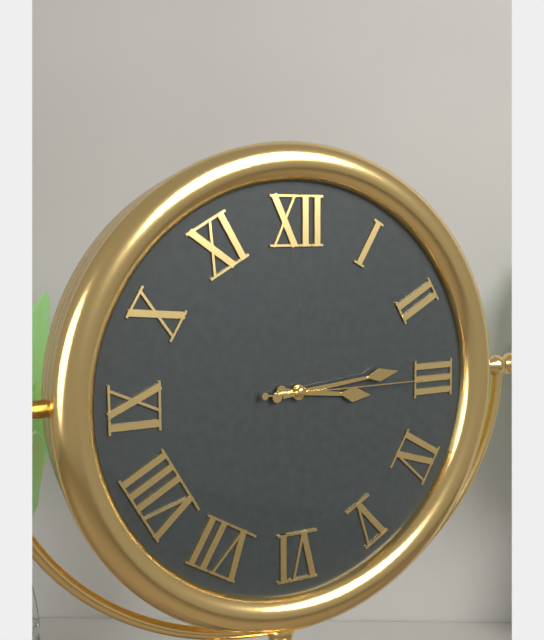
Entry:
3h14m15s
